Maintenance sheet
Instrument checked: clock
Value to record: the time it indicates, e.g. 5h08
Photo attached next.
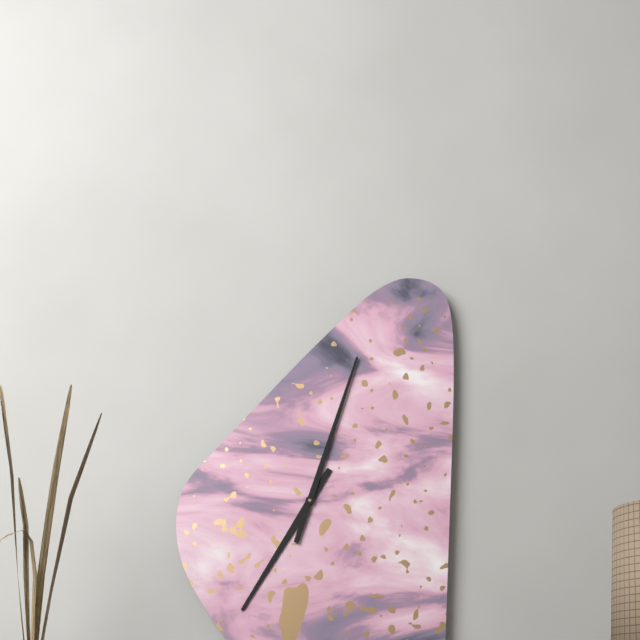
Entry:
7h03
